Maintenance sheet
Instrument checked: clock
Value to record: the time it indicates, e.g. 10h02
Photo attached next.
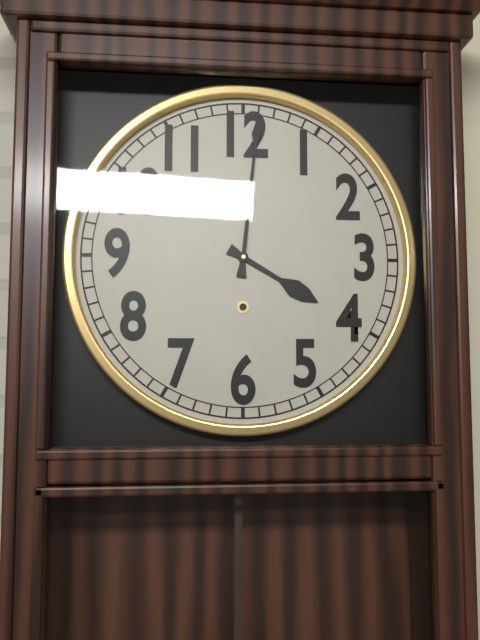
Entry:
4h01
